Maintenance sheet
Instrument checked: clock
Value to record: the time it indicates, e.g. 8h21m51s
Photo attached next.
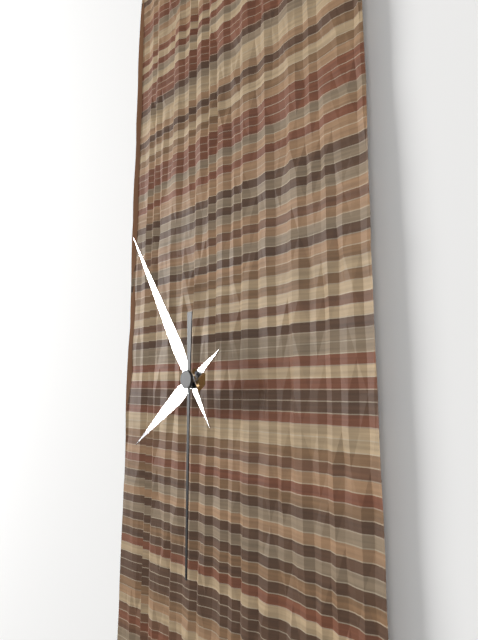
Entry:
7h54m30s
